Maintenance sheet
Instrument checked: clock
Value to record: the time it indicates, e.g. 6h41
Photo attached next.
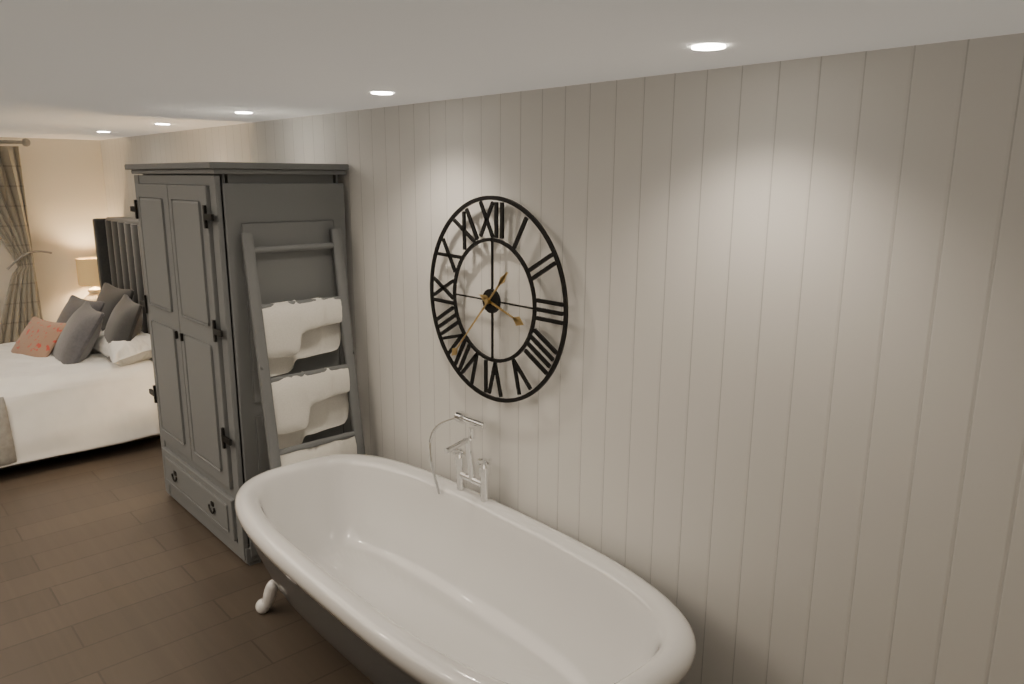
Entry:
3h37
